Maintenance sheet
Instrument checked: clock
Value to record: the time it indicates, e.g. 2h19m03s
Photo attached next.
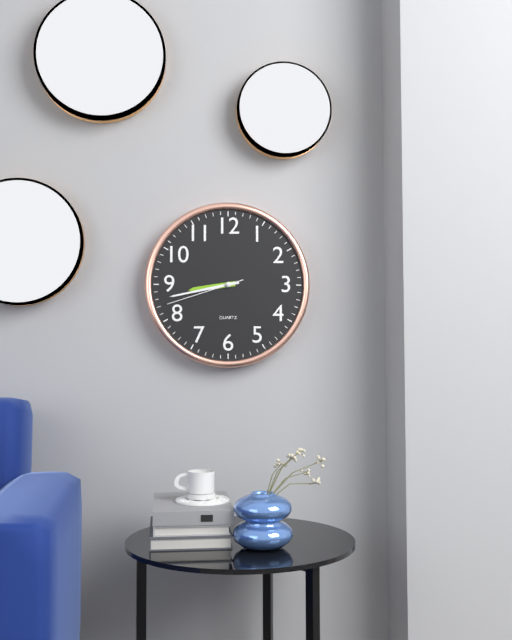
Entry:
8h43m42s
